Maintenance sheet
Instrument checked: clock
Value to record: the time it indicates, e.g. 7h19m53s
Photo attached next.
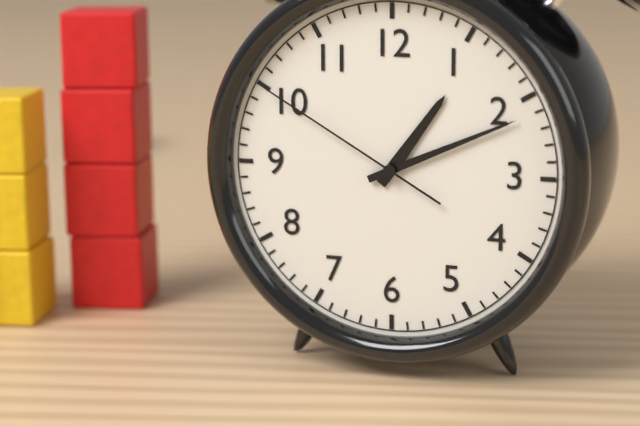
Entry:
1h11m50s
